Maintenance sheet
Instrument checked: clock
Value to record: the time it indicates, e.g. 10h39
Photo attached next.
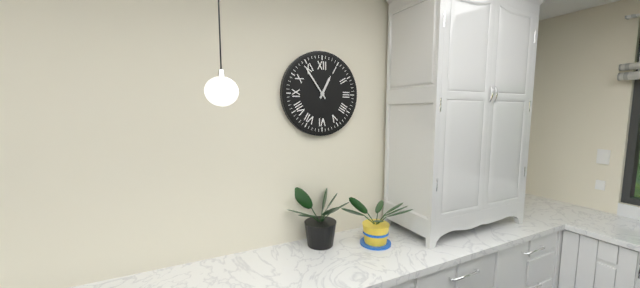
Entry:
12h54
